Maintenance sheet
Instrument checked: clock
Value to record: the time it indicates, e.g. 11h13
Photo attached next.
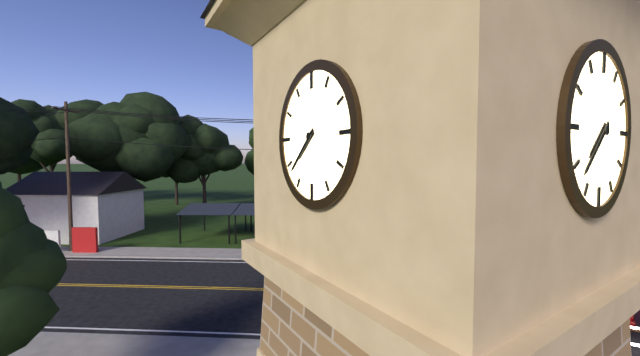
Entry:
7h38
